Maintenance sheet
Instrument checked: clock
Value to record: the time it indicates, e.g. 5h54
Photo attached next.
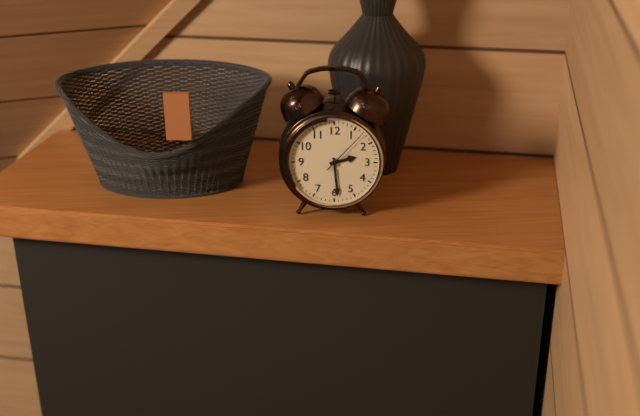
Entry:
2h29
